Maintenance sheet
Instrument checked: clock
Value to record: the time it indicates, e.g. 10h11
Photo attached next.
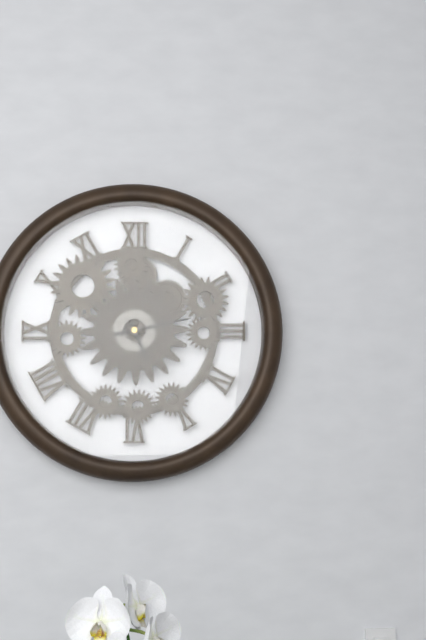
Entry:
5h13
